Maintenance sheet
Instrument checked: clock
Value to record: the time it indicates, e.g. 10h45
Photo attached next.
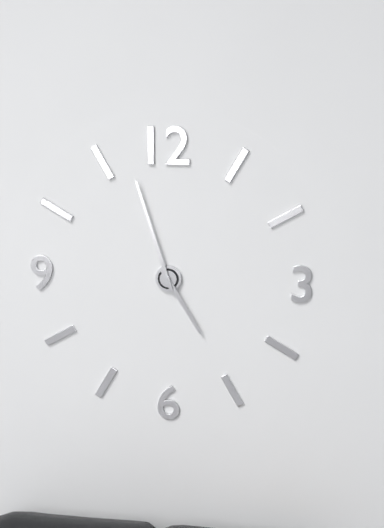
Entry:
4h57
